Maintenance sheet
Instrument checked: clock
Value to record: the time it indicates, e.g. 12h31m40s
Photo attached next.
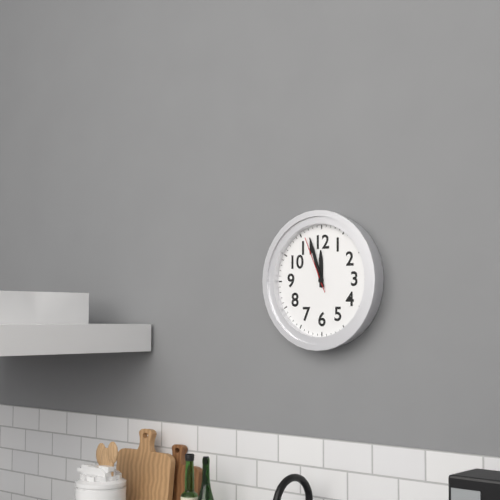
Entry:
11h57m56s
